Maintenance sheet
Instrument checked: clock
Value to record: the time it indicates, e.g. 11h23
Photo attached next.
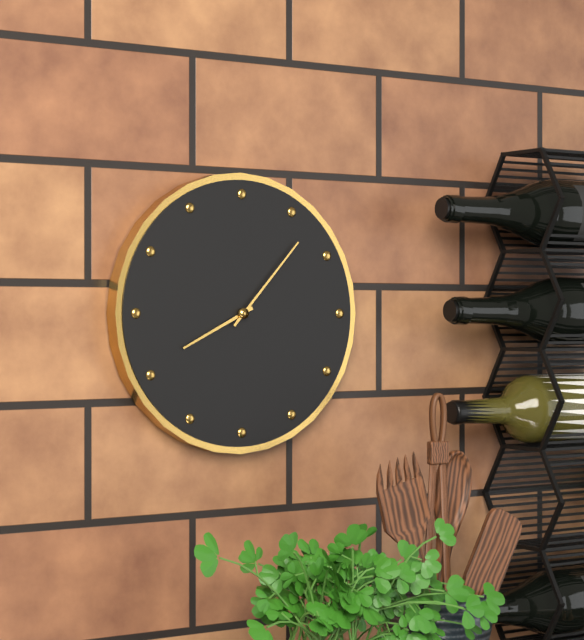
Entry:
8h07
